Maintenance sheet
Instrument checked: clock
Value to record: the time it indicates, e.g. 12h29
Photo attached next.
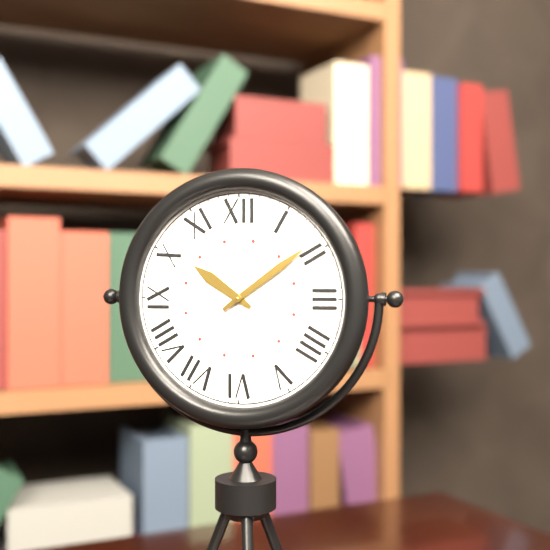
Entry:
10h09
